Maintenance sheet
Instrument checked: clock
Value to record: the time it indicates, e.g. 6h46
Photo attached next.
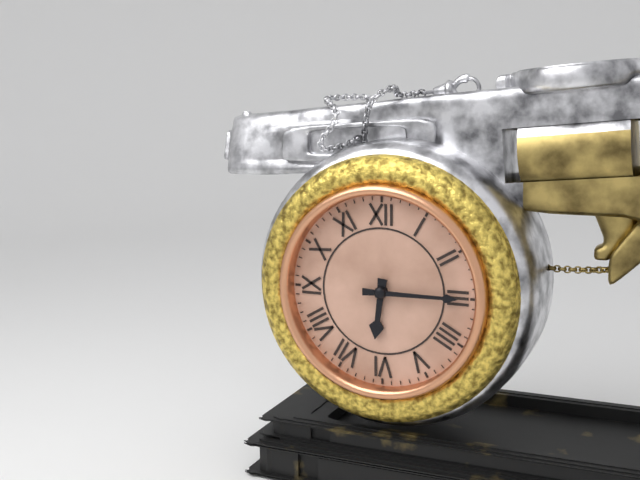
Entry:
6h15
